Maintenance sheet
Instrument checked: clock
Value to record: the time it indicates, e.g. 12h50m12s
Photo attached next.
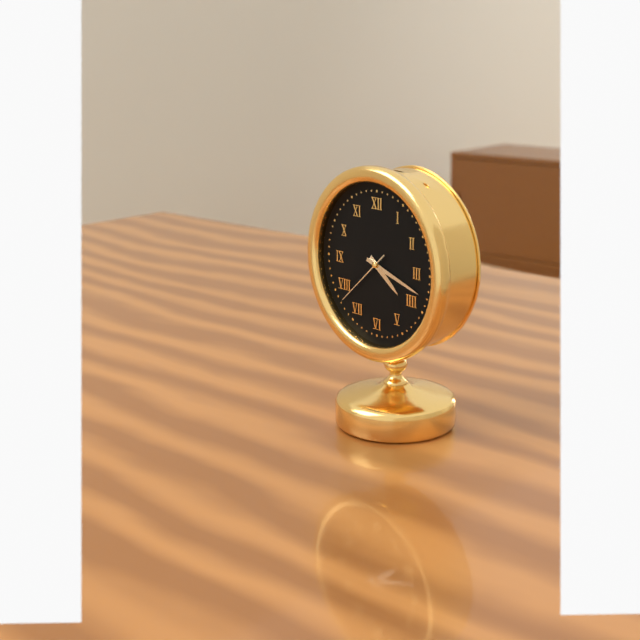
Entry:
4h18m38s
